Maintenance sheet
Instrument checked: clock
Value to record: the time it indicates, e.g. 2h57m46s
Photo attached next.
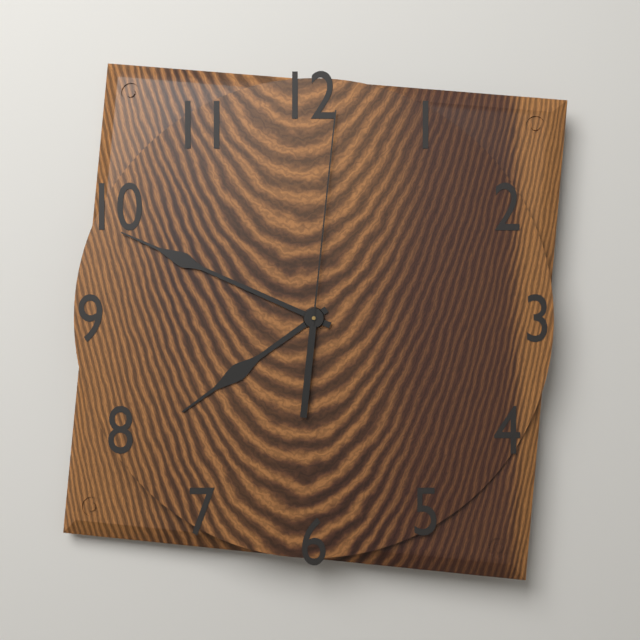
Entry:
7h49m01s
